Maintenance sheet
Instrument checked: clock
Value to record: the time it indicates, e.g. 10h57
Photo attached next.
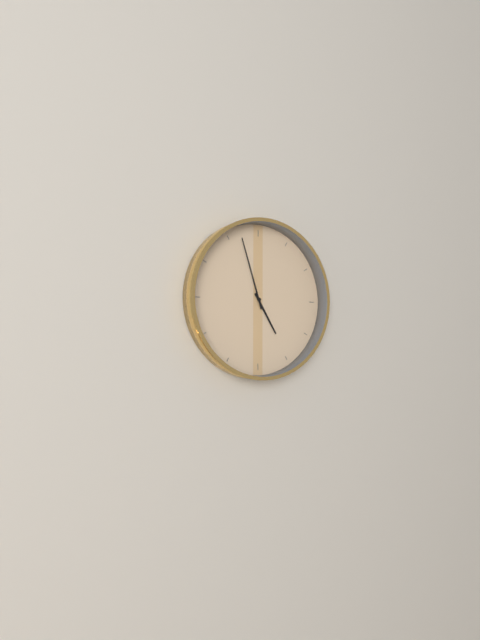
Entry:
4h57
